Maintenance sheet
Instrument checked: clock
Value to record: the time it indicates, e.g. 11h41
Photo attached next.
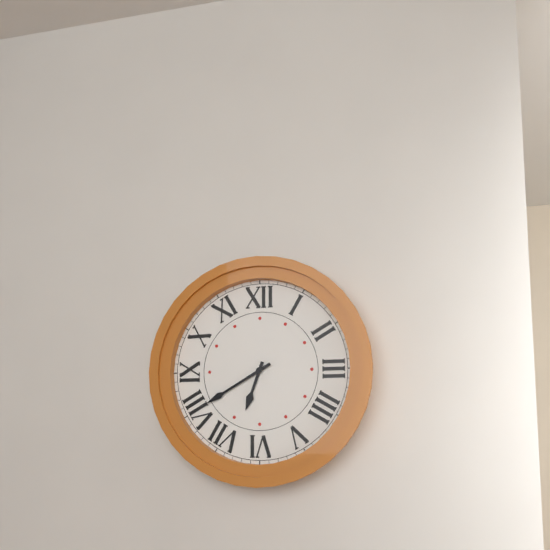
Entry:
6h40
